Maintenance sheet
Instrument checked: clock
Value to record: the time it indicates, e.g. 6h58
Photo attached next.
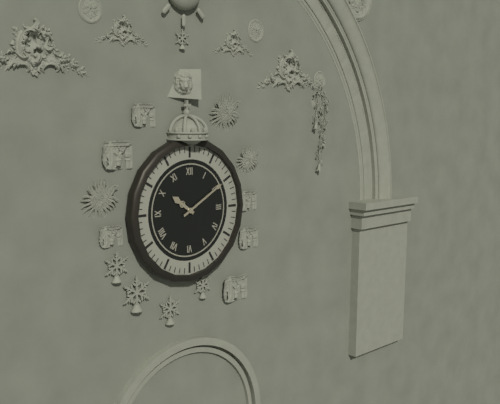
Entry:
10h10
